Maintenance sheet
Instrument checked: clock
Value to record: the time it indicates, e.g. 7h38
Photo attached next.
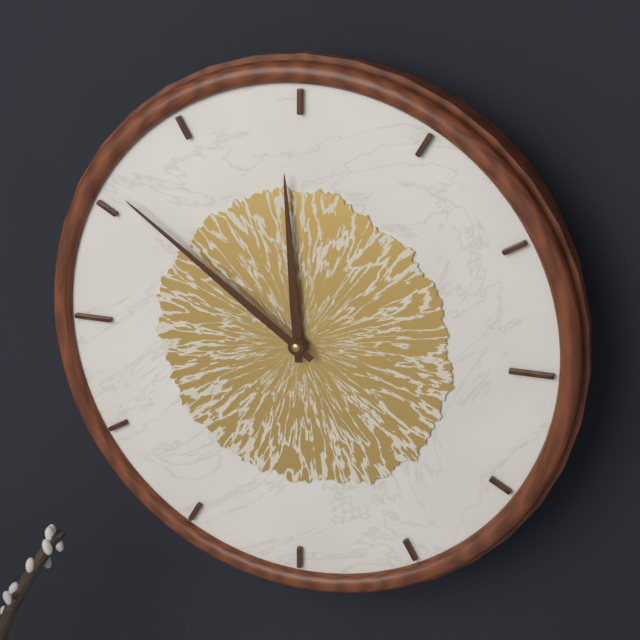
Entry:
11h51
